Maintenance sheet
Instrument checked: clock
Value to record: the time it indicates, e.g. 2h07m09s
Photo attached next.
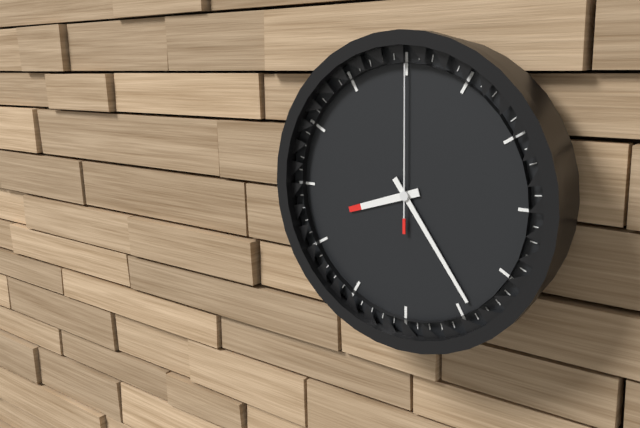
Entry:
8h24m00s
